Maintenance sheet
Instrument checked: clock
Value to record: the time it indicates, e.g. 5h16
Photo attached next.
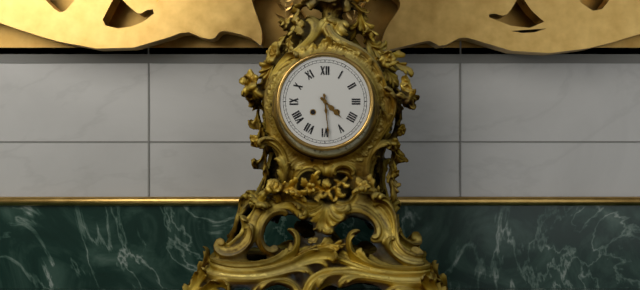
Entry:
4h29
